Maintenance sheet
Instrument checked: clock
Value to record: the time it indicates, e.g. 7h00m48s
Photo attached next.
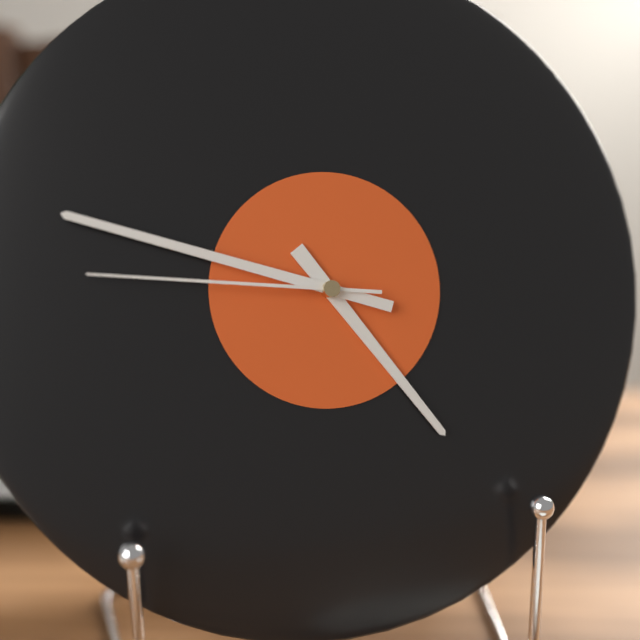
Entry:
4h48m46s
